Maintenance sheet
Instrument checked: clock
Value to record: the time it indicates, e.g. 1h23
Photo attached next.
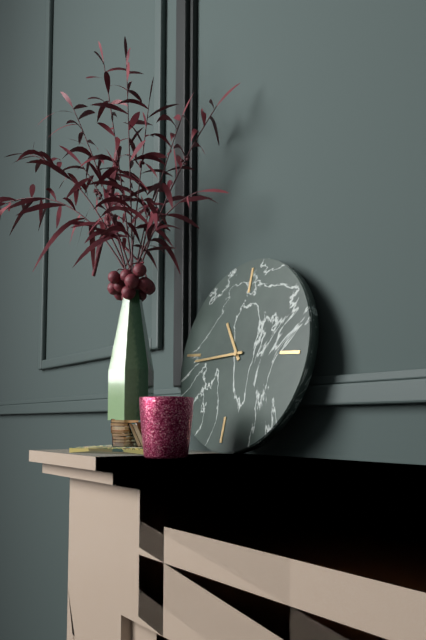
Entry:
10h44
